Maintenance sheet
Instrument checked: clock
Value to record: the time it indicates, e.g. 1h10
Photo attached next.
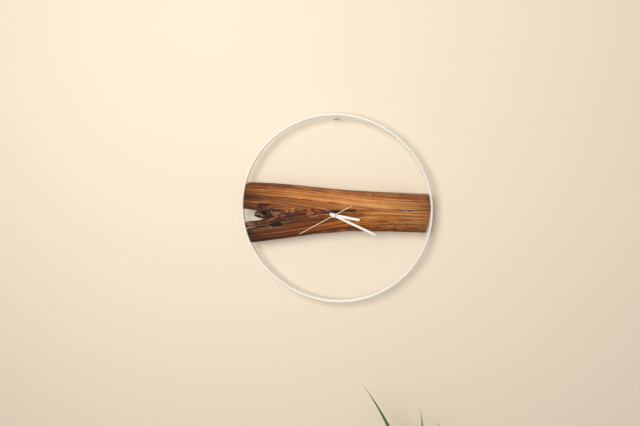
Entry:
3h19
